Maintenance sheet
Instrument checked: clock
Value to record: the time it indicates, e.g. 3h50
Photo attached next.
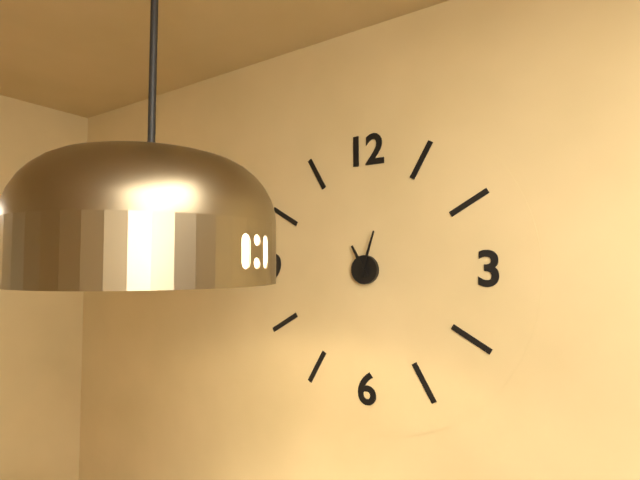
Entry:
11h03
